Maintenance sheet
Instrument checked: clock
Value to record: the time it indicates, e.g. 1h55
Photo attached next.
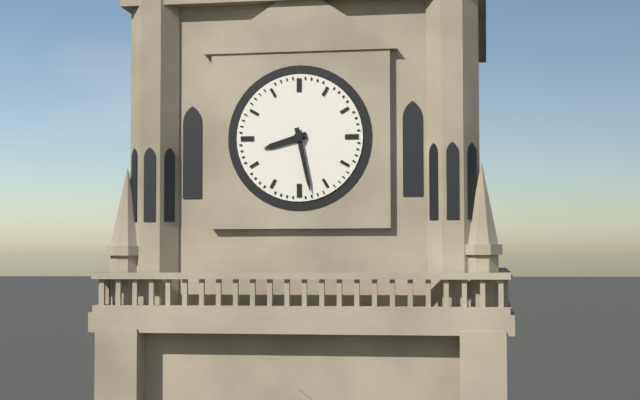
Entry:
8h28
